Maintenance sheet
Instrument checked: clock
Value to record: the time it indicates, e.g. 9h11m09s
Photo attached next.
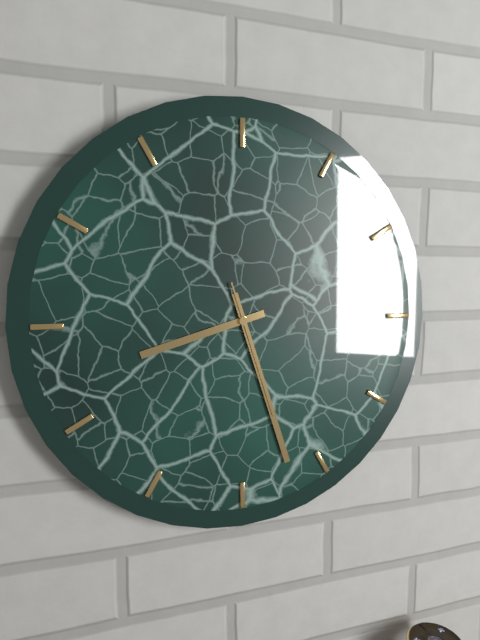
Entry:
8h27m27s
